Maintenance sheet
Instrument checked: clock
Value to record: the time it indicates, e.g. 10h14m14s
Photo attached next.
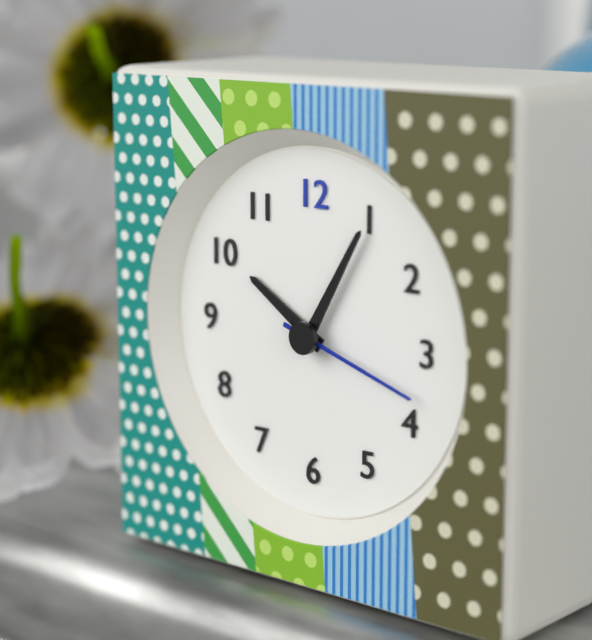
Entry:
10h05m18s
